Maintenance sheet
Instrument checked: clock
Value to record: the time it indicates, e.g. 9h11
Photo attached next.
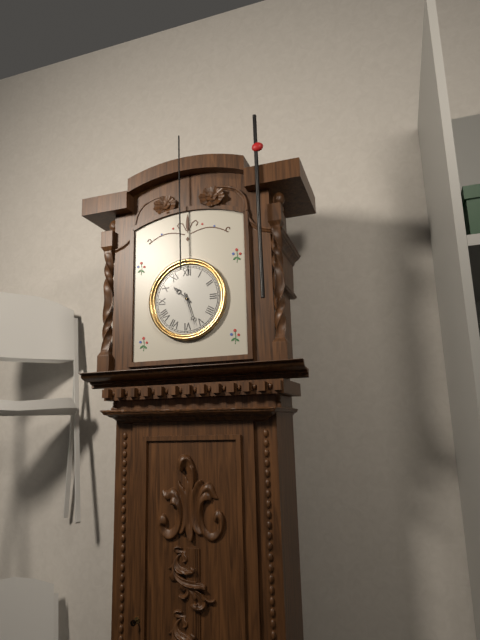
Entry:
10h27
